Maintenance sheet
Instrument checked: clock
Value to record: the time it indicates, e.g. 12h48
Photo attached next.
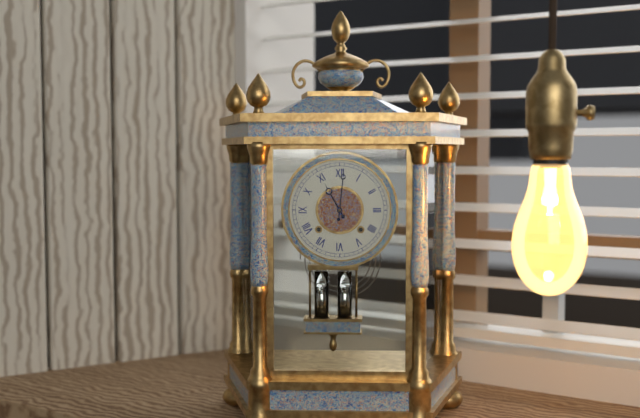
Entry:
11h01
